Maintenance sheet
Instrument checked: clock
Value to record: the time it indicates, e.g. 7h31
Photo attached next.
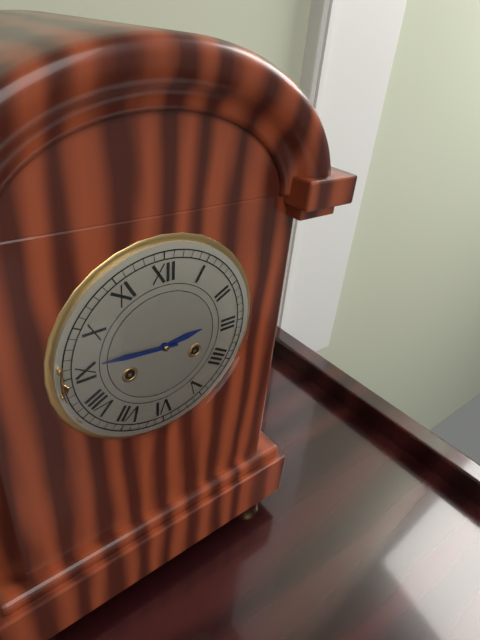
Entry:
2h46
